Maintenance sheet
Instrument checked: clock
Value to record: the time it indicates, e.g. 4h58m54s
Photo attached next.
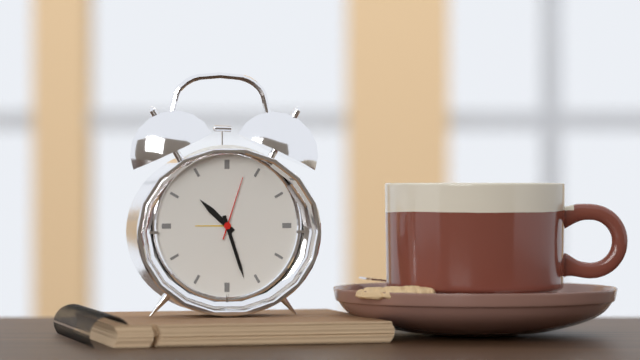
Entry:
10h27m03s
